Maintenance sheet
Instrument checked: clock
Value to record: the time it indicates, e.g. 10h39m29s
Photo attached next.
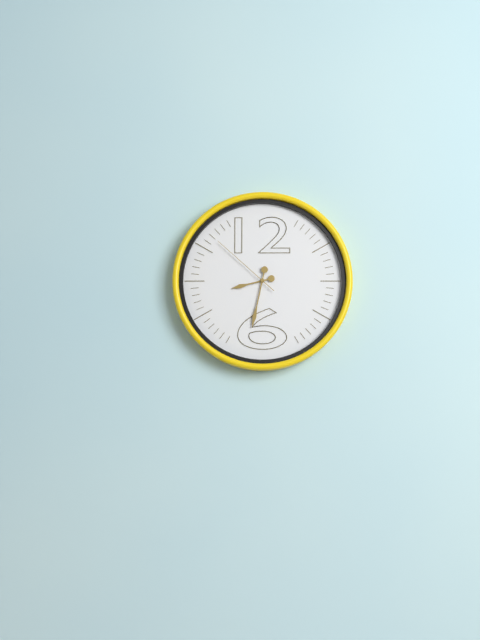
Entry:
8h32m52s
